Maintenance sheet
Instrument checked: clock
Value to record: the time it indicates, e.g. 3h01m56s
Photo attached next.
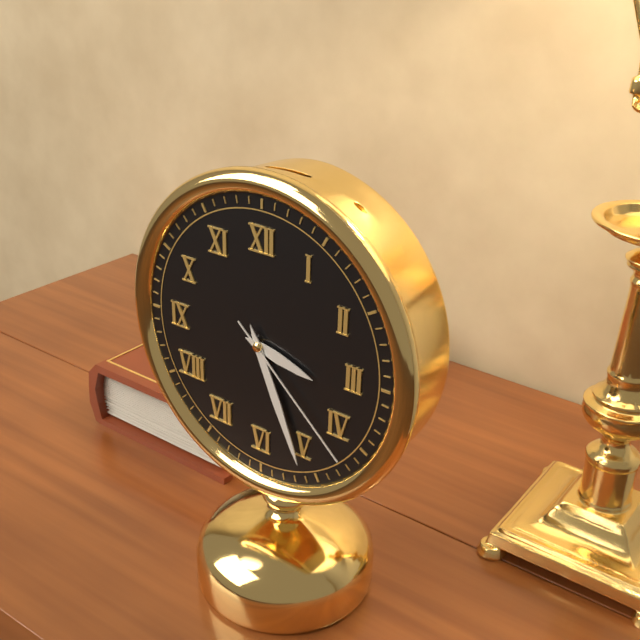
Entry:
3h26m22s
